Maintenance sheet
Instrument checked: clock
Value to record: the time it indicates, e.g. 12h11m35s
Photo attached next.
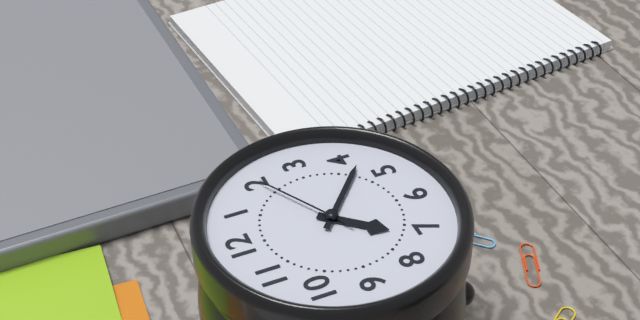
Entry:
7h22m10s
